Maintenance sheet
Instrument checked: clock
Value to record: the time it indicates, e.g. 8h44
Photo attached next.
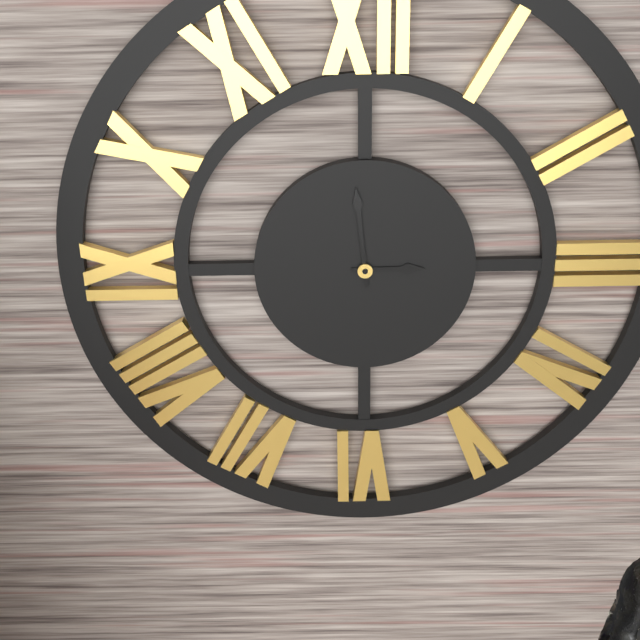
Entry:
2h59
